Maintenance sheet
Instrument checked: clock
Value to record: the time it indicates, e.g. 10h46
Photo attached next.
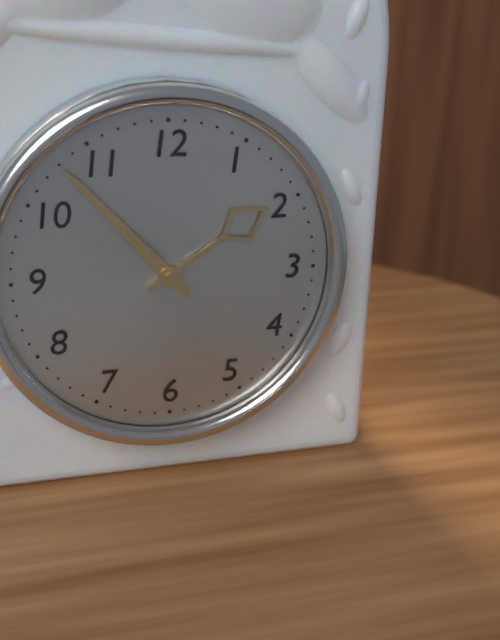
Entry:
1h53
